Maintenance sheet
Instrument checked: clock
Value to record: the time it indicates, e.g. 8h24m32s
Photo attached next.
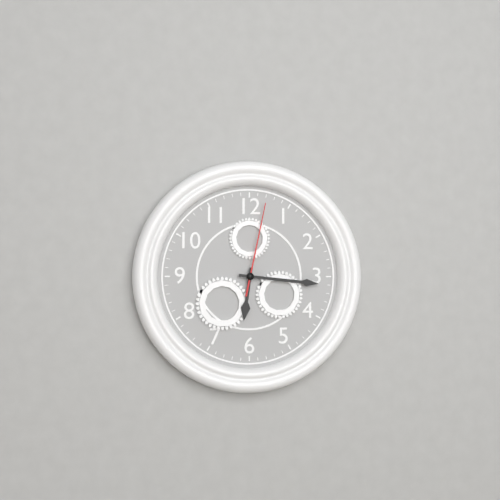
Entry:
6h16m02s
